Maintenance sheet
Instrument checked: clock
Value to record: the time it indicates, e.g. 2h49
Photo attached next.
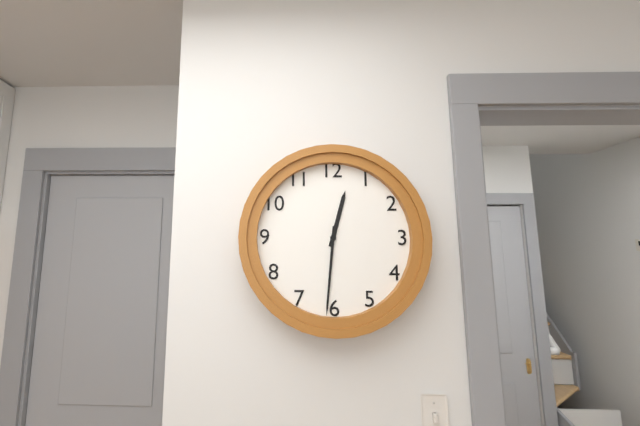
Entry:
12h31
